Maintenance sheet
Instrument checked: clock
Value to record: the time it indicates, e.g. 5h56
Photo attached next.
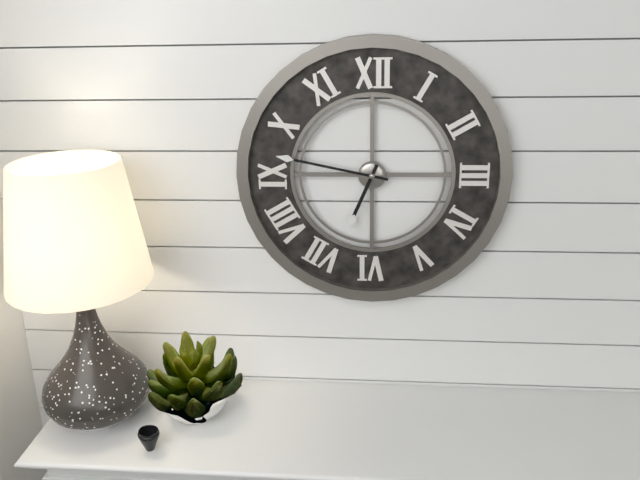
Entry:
6h47
